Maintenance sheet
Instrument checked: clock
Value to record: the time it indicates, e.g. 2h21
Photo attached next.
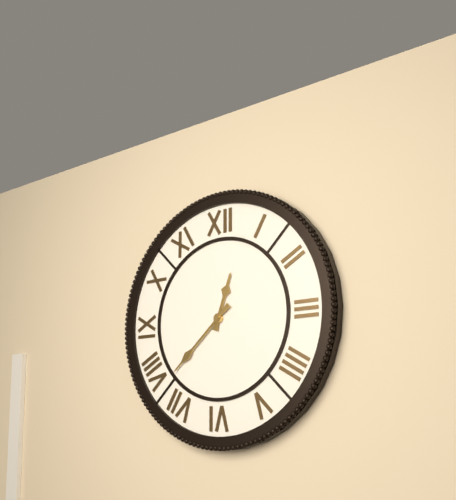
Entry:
12h38
